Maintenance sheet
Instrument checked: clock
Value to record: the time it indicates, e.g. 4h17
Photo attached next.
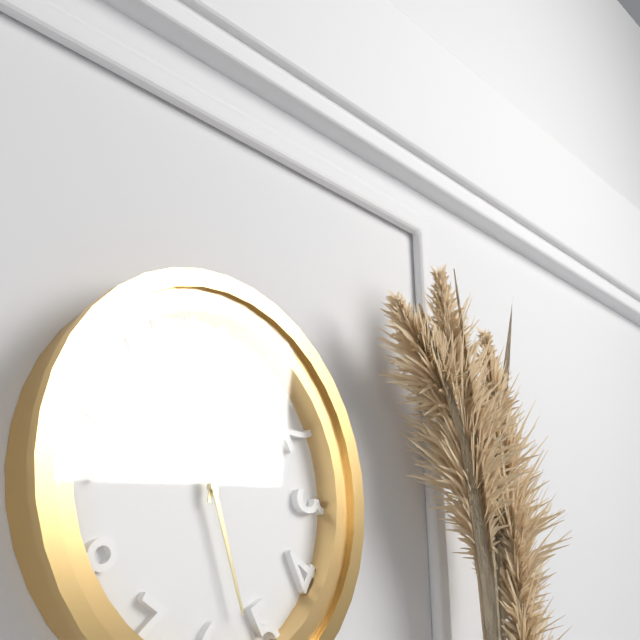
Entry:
12h27
